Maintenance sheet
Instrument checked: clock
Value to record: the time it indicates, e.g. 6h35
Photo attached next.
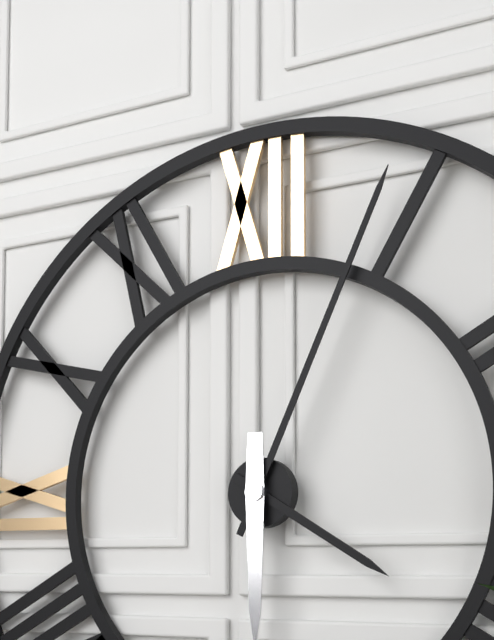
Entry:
4h04
